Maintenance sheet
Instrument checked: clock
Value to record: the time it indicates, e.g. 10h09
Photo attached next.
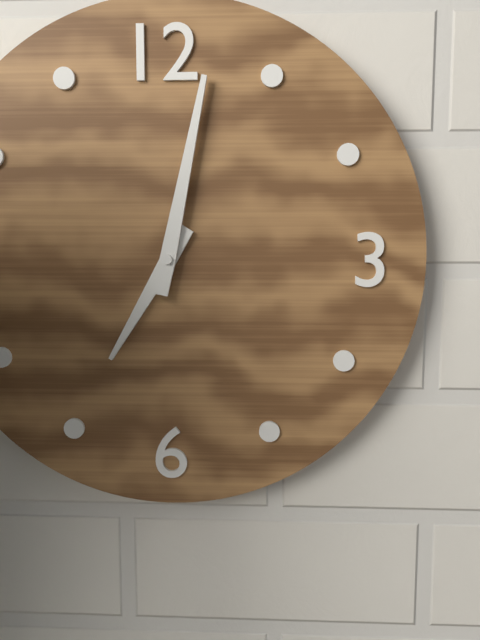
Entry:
7h02
